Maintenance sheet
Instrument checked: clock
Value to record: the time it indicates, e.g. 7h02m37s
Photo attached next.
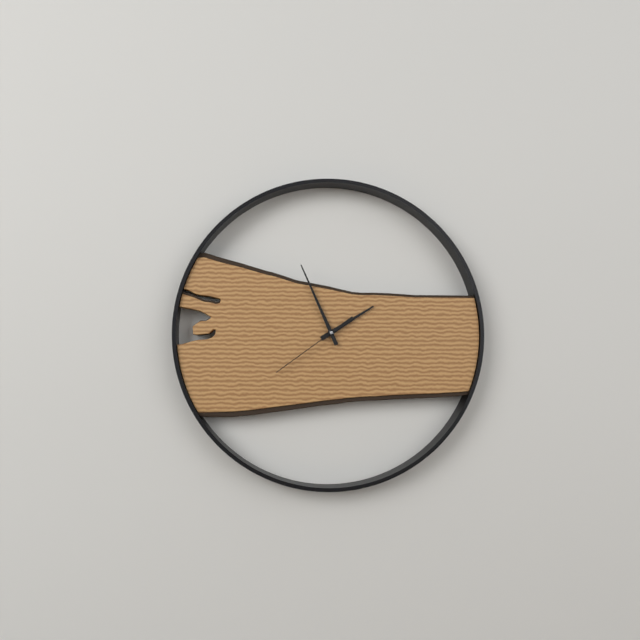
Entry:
1h56m39s
